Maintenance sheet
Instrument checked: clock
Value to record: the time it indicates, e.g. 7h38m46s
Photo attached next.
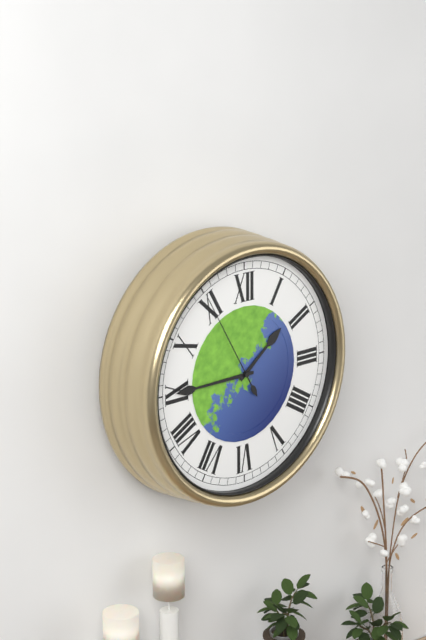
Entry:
1h45m55s
